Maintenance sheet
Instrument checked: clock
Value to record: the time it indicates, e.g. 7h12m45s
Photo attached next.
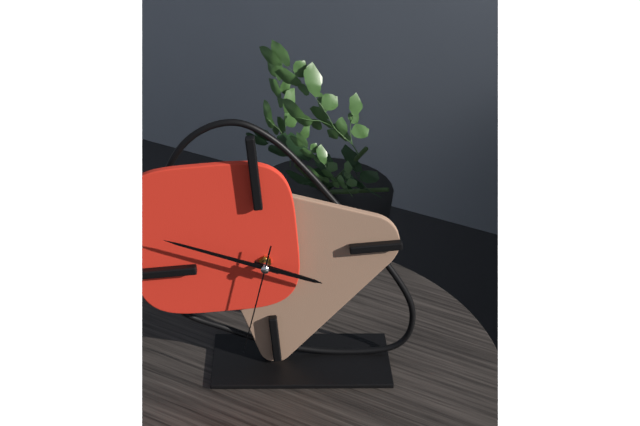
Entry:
3h49m33s
